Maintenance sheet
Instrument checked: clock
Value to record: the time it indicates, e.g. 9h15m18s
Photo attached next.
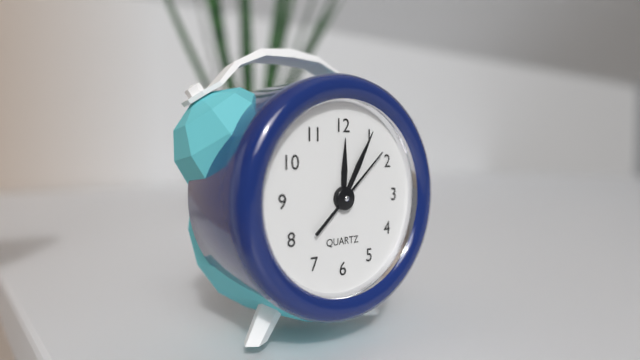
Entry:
12h05m08s
